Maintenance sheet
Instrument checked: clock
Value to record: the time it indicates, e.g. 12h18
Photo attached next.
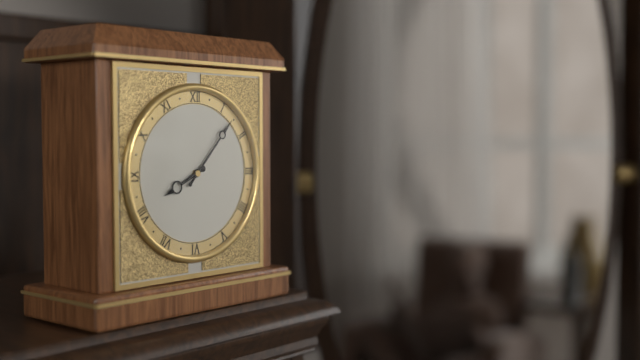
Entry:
8h07
